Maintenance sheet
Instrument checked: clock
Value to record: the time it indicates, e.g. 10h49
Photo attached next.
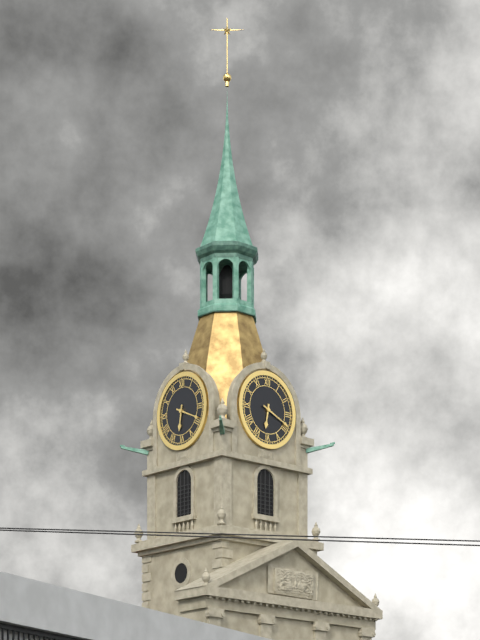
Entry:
6h19
